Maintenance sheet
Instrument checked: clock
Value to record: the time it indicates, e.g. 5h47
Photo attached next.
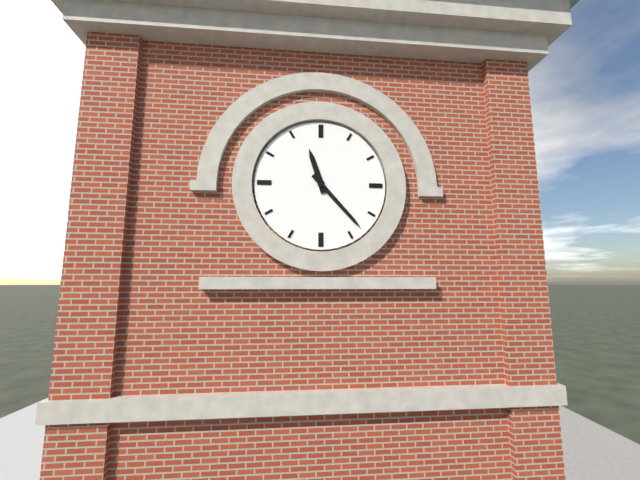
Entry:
11h23
